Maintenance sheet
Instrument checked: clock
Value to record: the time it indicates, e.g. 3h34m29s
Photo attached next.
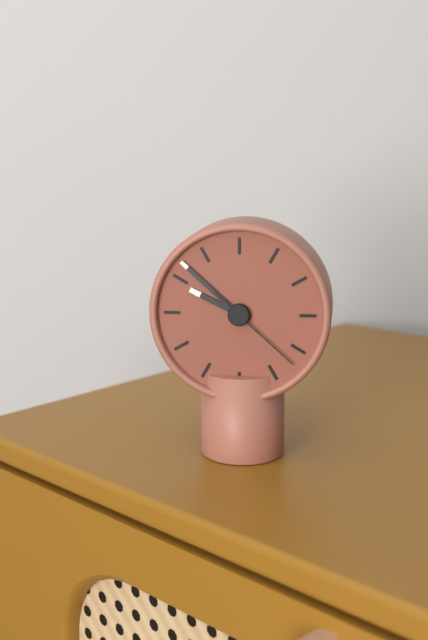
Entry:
9h52m22s
